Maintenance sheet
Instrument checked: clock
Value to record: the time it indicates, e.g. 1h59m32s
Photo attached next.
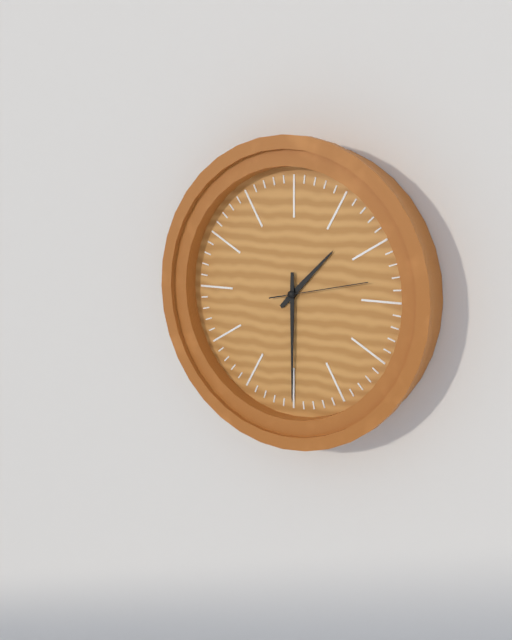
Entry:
1h30m13s
